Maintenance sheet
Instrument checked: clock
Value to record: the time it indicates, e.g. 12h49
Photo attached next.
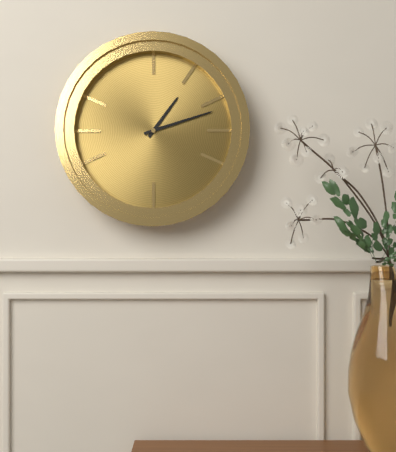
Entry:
1h12
